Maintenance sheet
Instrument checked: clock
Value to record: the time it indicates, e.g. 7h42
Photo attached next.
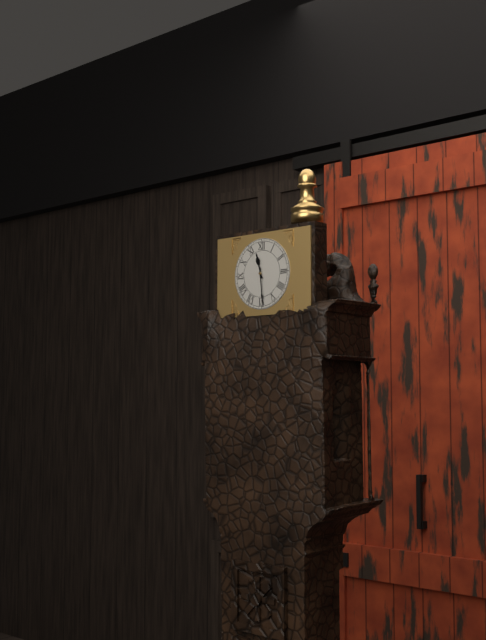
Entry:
11h29
